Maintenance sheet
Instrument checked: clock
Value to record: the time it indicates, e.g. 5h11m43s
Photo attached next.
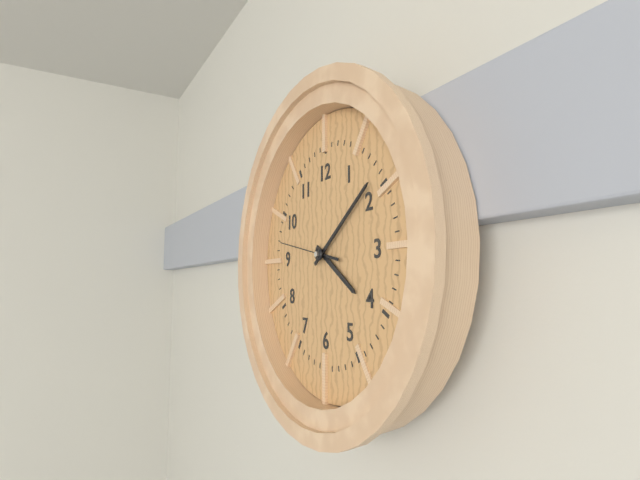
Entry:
4h09m47s
